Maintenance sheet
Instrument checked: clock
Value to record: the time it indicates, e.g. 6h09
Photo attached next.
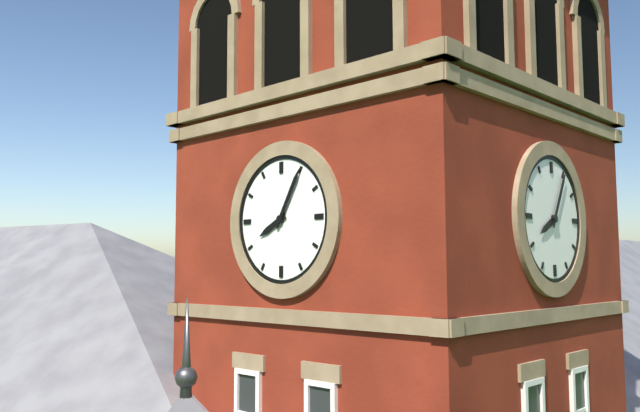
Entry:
8h05
